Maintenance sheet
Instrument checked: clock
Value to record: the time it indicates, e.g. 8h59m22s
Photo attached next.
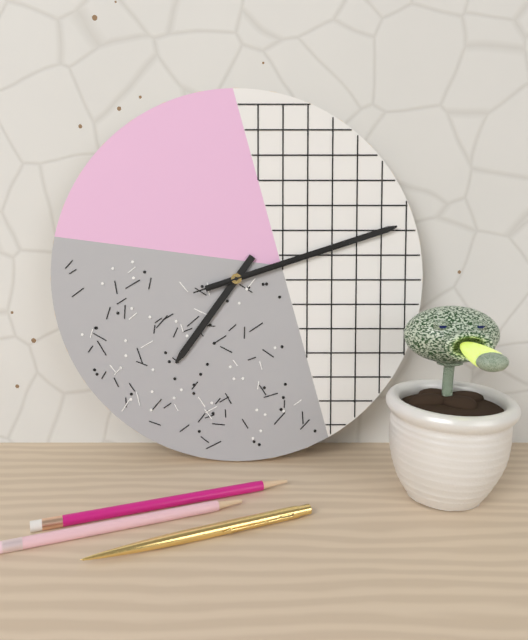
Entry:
7h12m12s
